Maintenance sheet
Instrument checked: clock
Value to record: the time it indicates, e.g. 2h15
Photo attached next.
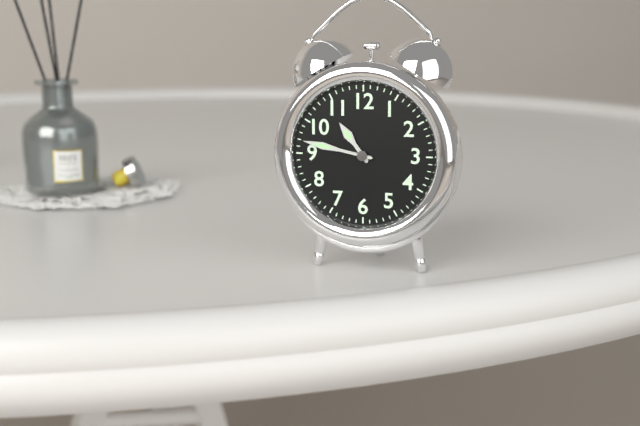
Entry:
10h47
